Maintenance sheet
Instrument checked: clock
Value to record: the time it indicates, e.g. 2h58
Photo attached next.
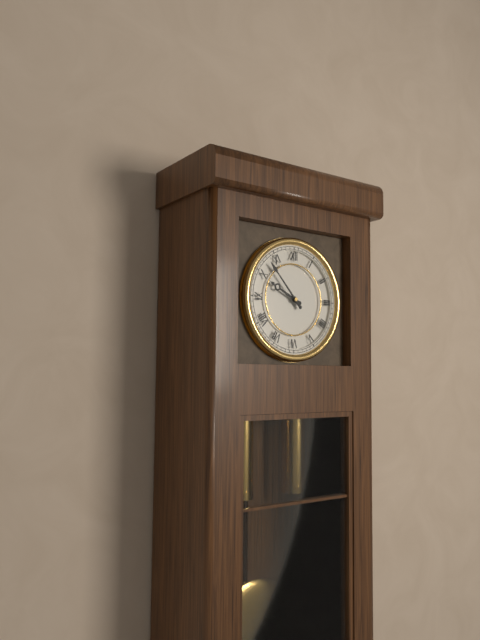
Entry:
9h53
